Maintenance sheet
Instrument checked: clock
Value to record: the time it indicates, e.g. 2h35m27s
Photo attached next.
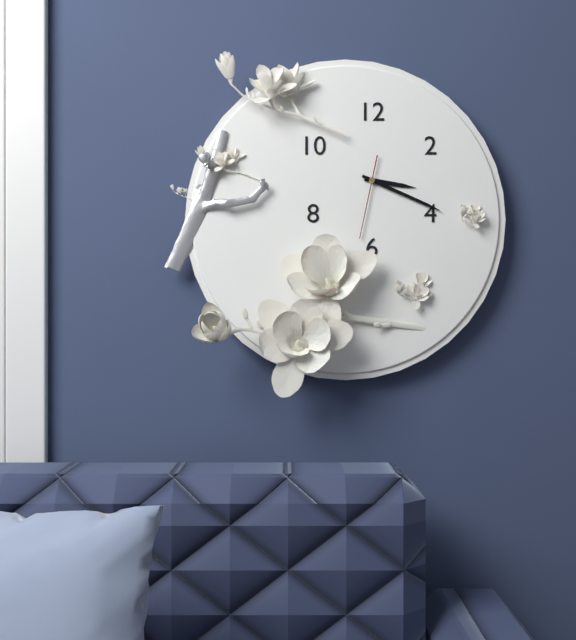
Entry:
3h19m32s
